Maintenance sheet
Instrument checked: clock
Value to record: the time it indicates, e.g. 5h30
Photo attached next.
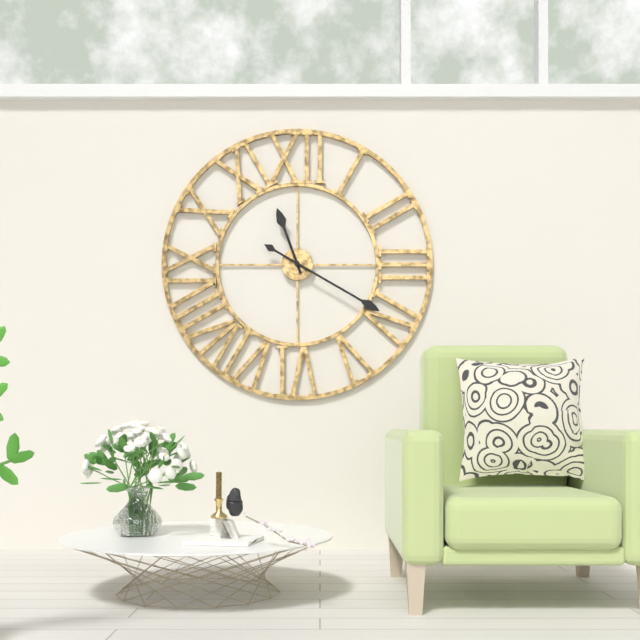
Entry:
11h20
